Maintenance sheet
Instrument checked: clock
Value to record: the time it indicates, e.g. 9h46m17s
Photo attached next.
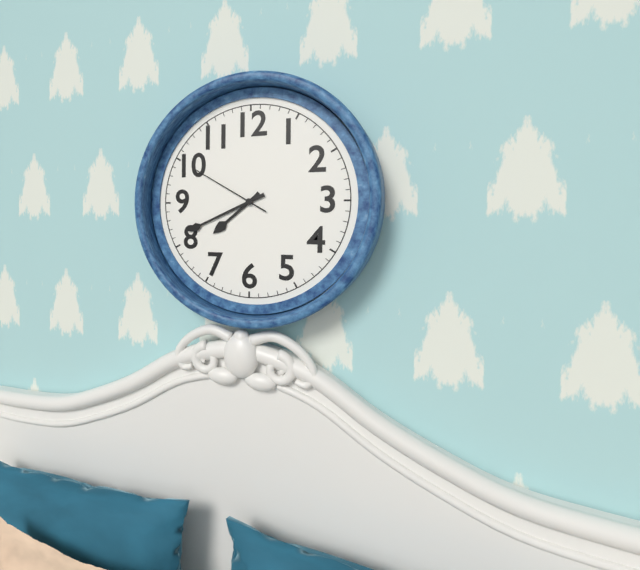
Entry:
7h41m50s
